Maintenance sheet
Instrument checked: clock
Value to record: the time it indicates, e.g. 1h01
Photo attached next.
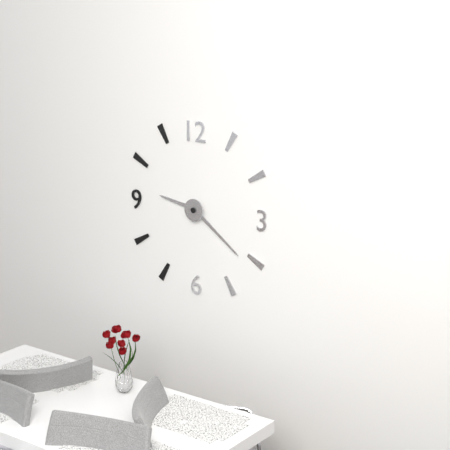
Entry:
9h21
